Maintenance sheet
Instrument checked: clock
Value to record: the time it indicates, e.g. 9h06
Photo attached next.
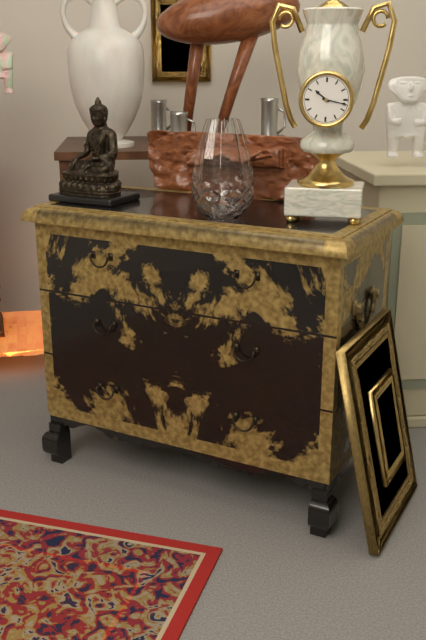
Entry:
10h17
